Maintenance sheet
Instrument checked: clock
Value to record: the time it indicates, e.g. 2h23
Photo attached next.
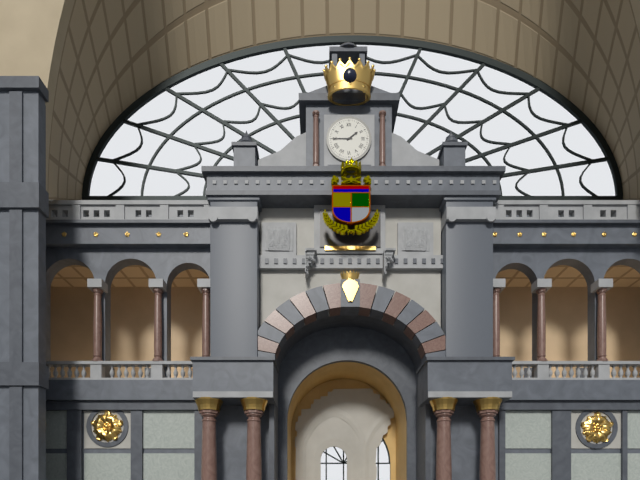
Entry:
1h45
